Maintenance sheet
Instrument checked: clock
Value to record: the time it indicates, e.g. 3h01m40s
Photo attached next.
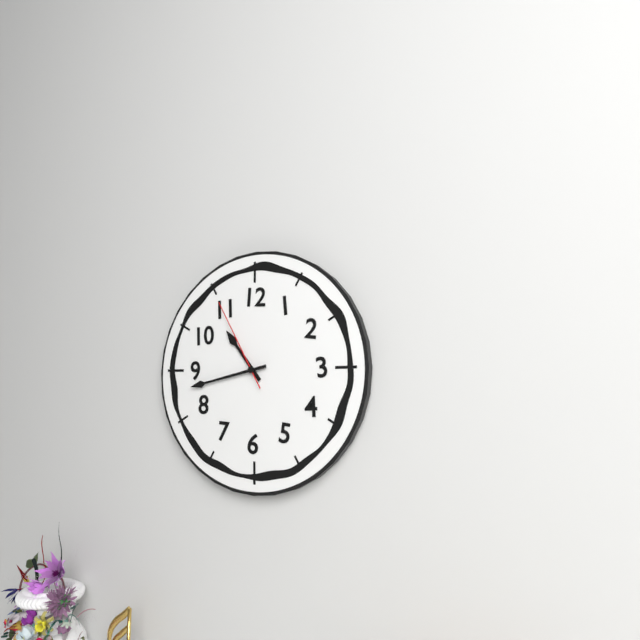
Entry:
10h43m55s
